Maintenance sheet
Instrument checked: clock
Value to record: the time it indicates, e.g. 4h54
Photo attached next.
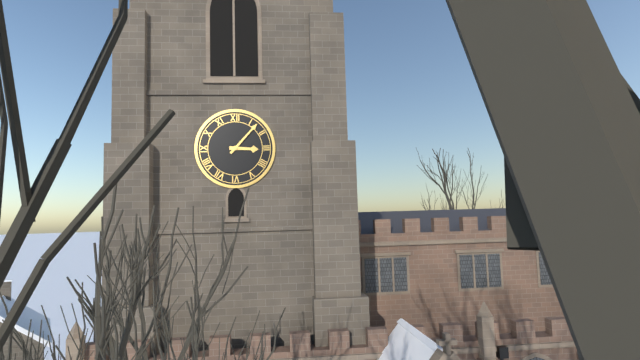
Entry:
3h07
